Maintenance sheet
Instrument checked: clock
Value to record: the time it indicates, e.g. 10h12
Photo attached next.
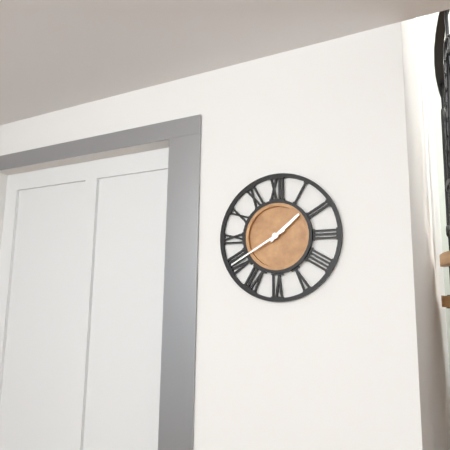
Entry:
1h40
